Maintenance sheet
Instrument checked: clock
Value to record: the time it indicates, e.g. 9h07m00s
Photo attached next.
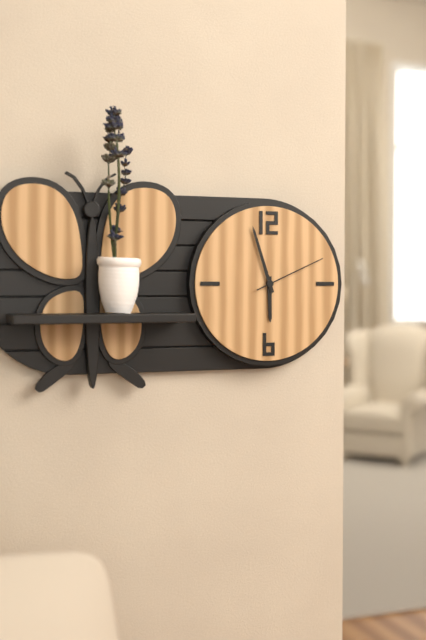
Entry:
5h57m11s
